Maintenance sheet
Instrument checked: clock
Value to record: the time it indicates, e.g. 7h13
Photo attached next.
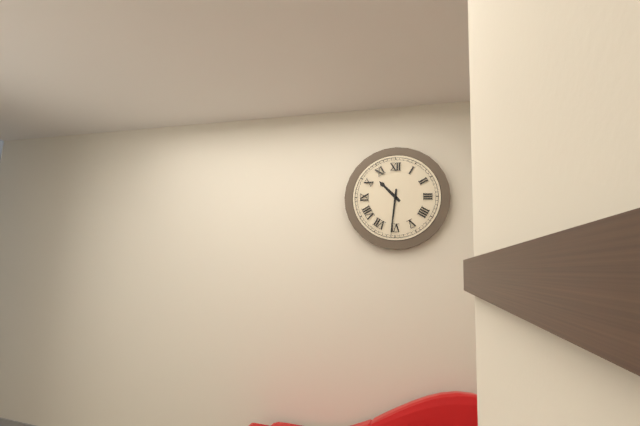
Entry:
10h31
